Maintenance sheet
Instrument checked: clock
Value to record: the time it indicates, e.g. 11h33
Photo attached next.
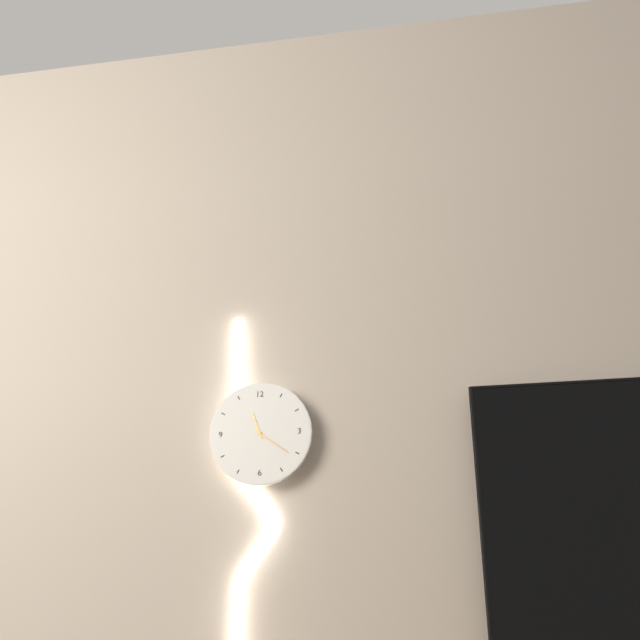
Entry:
11h21
